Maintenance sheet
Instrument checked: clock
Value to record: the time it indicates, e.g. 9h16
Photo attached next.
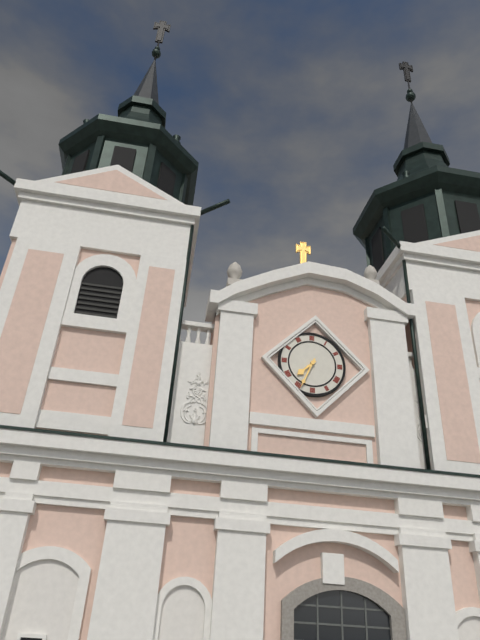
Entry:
7h34
